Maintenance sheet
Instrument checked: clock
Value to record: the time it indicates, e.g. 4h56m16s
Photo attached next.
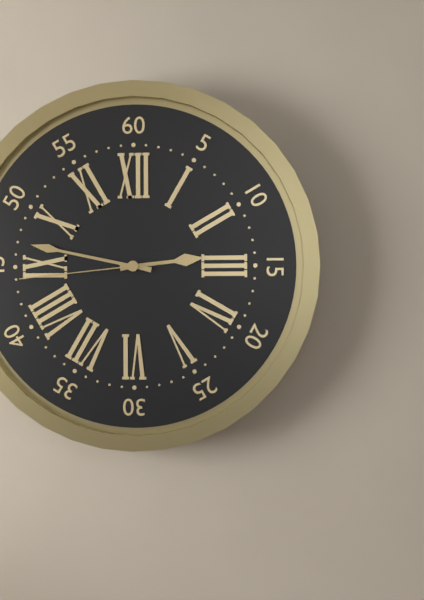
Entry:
2h47m44s
